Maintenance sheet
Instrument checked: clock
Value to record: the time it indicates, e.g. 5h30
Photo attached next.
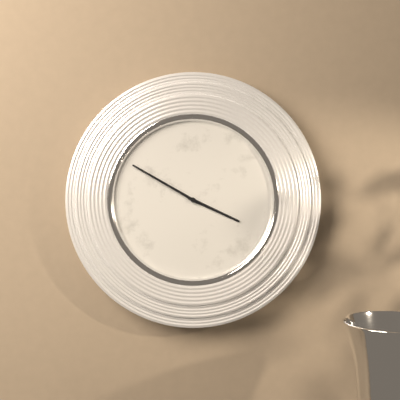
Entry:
3h50
